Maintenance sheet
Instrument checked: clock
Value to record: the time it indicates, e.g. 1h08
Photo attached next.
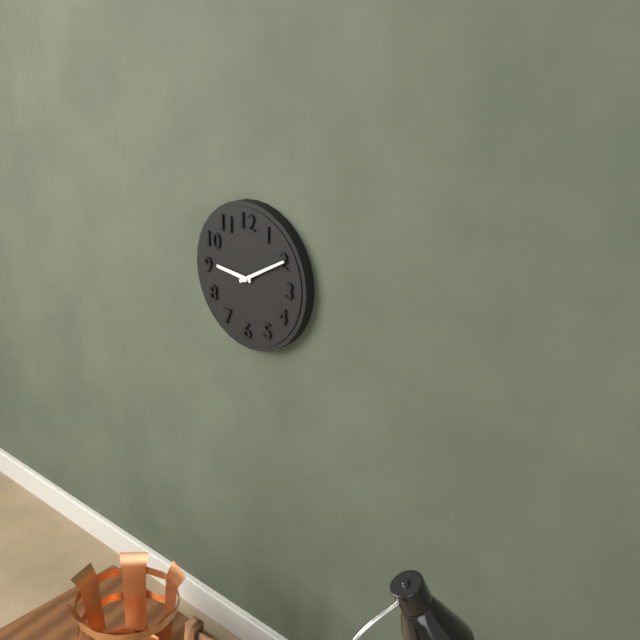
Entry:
9h10
